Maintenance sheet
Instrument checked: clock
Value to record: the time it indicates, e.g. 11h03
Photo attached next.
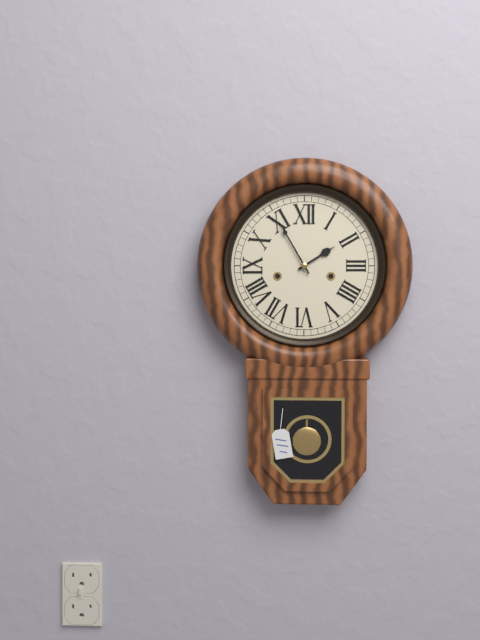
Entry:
1h55
